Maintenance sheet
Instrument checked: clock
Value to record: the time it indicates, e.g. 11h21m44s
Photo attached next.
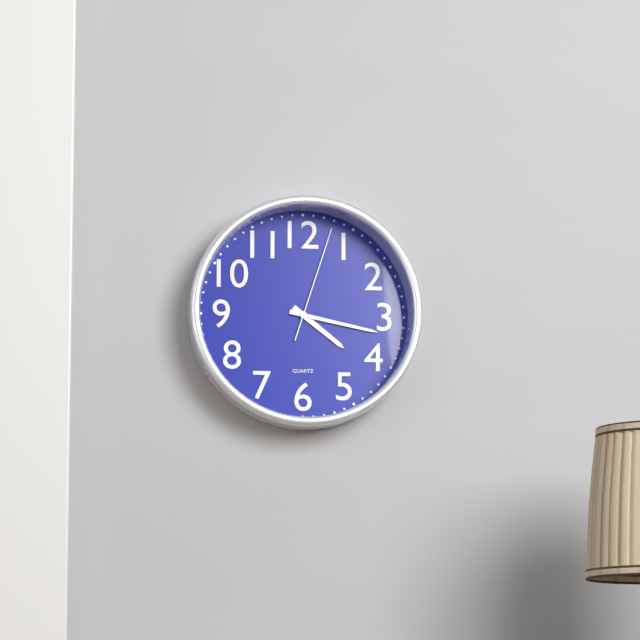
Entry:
4h17m03s
